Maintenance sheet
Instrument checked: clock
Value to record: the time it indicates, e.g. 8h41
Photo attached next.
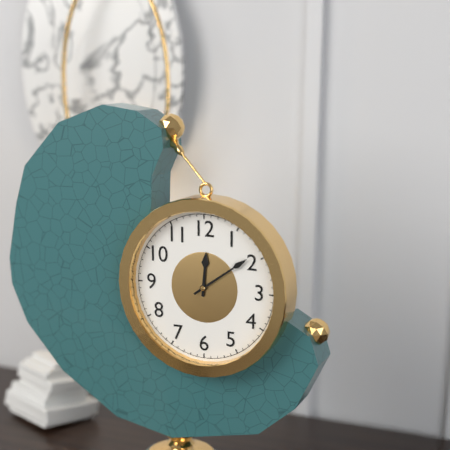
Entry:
12h09
